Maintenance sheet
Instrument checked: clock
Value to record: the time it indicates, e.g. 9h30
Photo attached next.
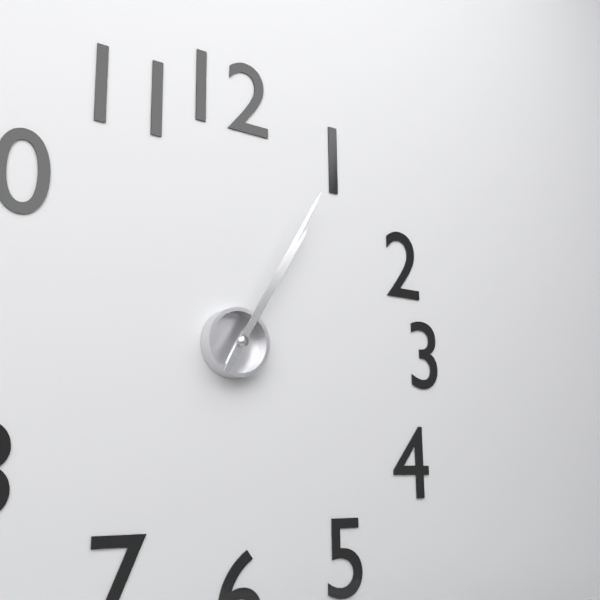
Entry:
1h05
